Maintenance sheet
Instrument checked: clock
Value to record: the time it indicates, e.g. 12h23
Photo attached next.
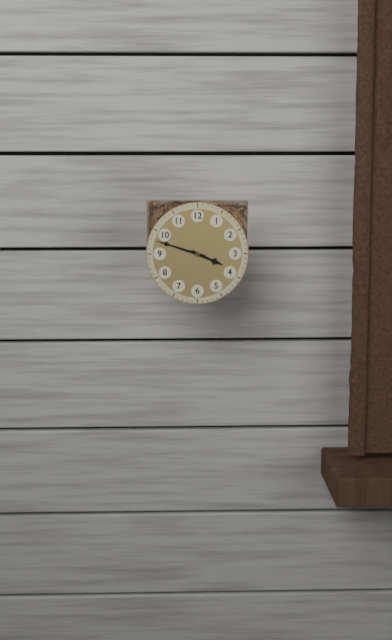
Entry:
3h48
